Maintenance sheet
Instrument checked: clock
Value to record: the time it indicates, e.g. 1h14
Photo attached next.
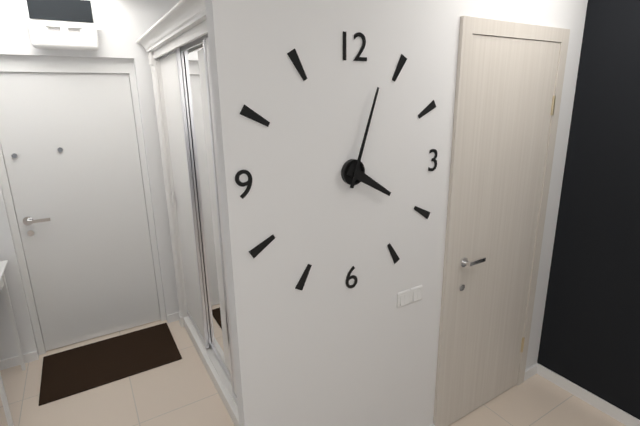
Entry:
4h03
